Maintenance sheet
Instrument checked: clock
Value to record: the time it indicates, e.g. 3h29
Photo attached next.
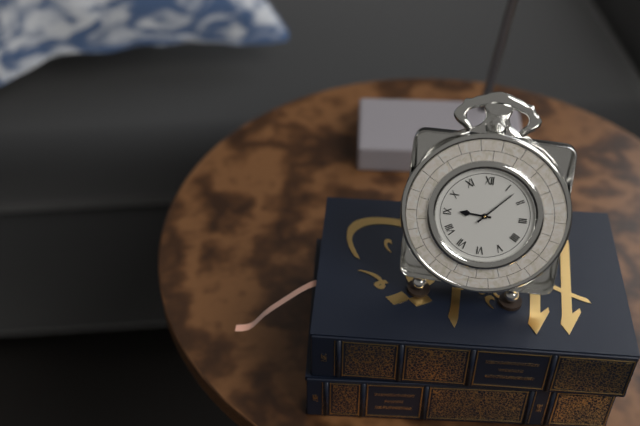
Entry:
9h07
